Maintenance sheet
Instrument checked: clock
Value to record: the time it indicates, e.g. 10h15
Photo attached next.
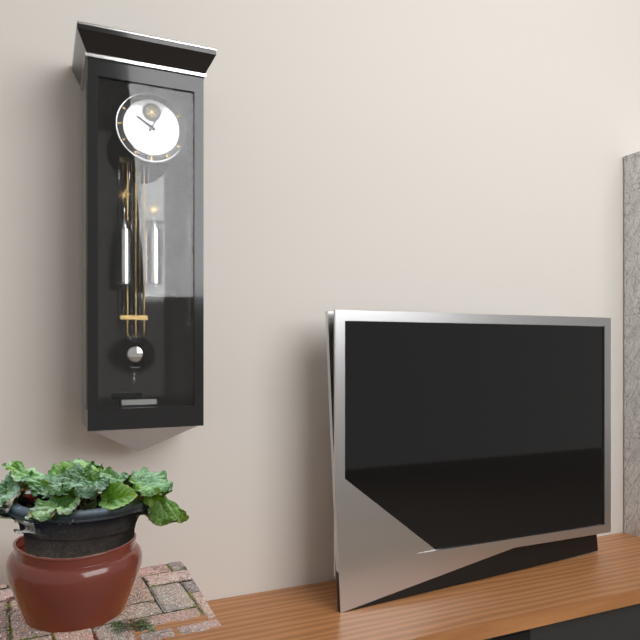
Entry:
10h05
